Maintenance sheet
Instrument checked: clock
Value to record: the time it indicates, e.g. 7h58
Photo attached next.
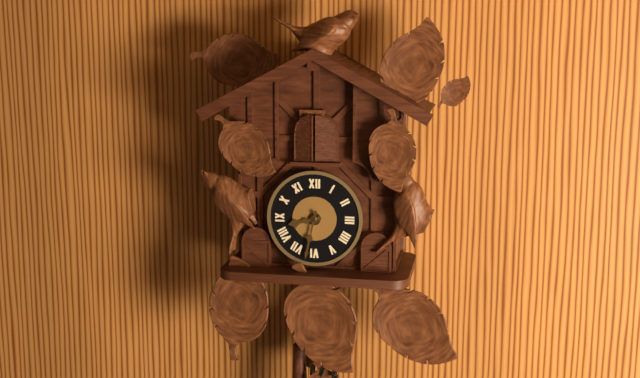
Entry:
8h32
